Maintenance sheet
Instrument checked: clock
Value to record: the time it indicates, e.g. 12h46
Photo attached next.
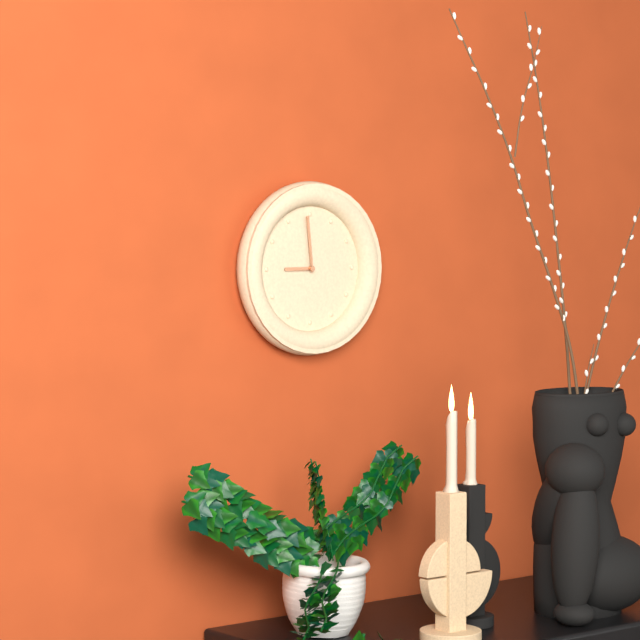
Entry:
8h59
